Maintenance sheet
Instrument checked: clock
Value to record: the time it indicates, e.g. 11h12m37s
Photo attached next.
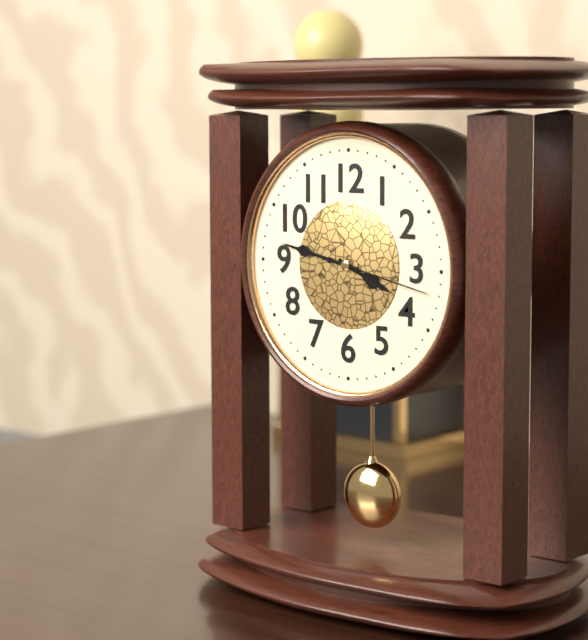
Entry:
3h47m17s
